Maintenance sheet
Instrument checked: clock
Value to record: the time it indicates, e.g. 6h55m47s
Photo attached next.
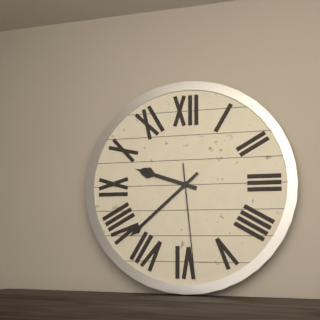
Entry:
9h38m29s
